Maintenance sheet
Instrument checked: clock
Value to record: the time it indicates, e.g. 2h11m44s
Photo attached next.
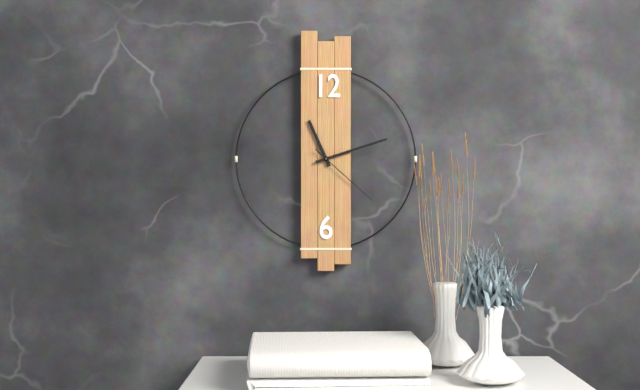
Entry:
11h12m22s
